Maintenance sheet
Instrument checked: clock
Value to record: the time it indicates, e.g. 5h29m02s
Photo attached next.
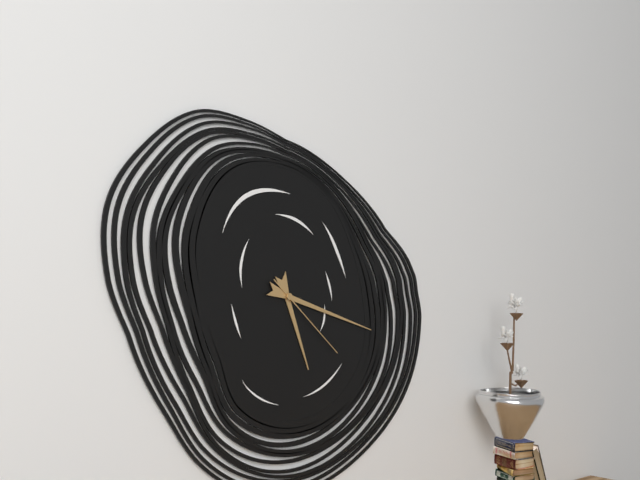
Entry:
5h18m22s
